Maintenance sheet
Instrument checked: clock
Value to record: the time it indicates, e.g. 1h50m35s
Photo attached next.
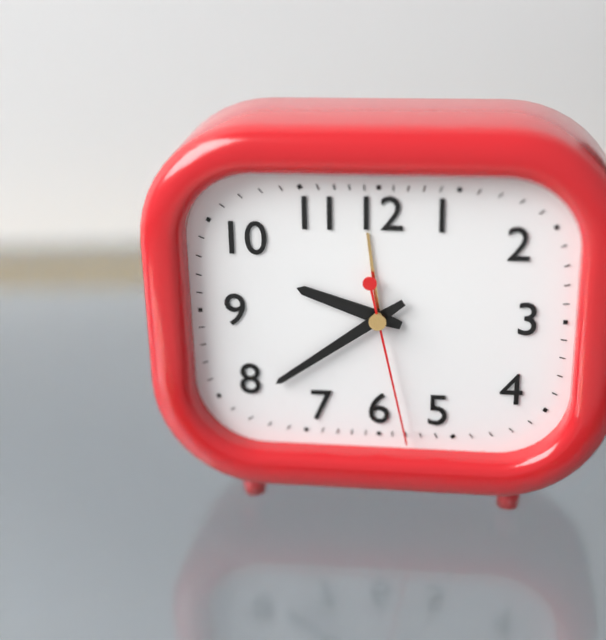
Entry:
9h39m28s
